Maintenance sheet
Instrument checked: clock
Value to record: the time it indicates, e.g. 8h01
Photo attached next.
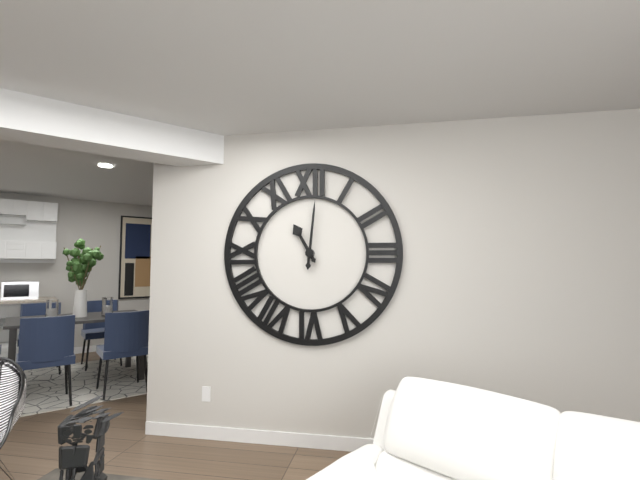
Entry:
11h01
